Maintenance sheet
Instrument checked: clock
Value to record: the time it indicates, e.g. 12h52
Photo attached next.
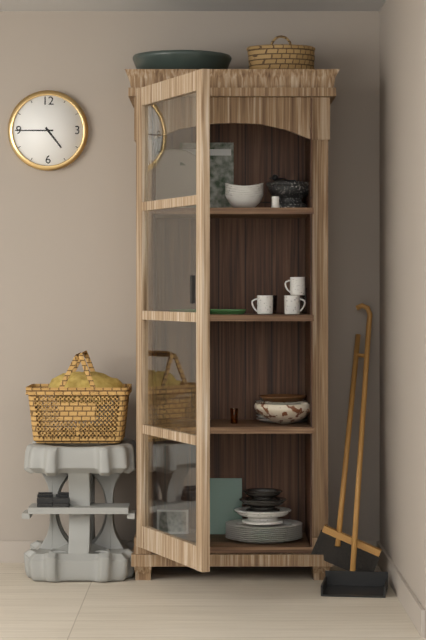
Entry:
4h45
